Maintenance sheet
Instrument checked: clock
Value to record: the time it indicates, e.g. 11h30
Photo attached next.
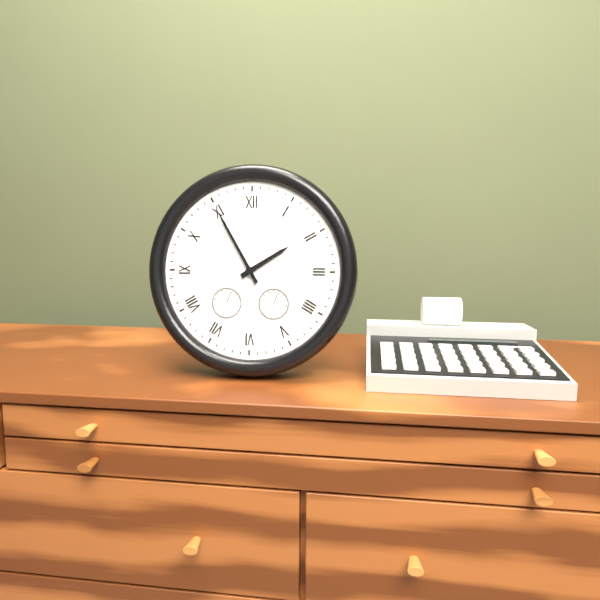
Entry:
1h55
